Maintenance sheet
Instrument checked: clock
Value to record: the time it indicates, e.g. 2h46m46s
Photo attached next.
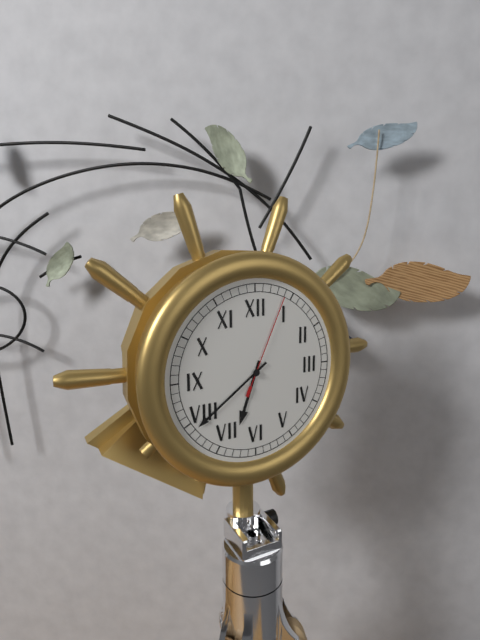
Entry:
6h39m04s
